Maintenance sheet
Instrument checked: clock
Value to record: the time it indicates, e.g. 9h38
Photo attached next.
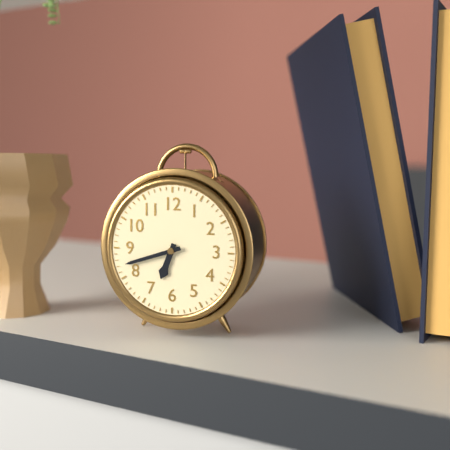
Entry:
6h42
